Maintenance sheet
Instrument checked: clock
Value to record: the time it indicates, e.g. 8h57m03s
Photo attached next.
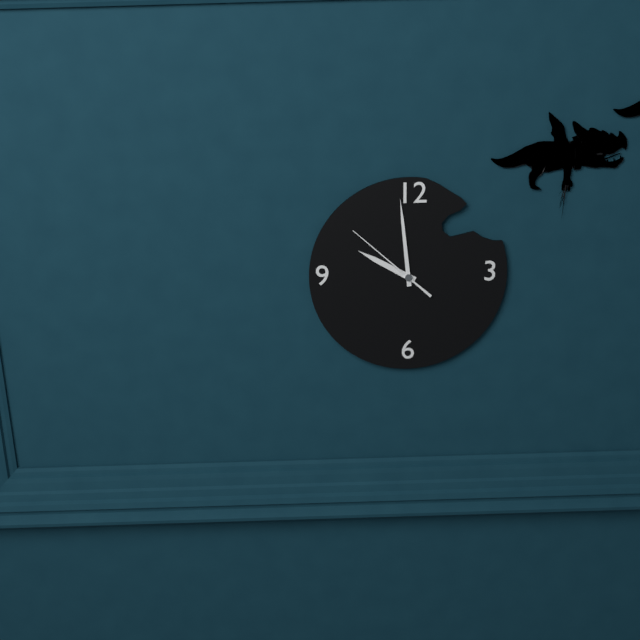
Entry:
9h59m52s
